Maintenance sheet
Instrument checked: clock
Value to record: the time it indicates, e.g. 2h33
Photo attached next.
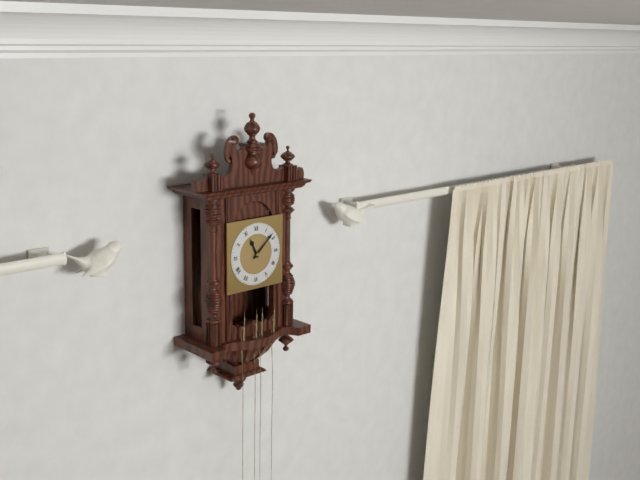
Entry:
11h08
